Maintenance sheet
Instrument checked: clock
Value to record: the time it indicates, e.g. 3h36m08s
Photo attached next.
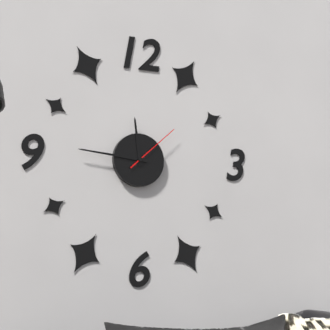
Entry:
11h46m08s
